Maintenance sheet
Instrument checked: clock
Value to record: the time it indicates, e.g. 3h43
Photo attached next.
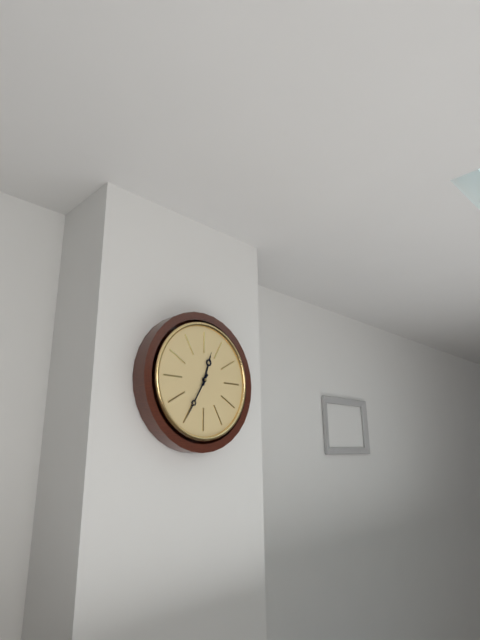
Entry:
12h35
